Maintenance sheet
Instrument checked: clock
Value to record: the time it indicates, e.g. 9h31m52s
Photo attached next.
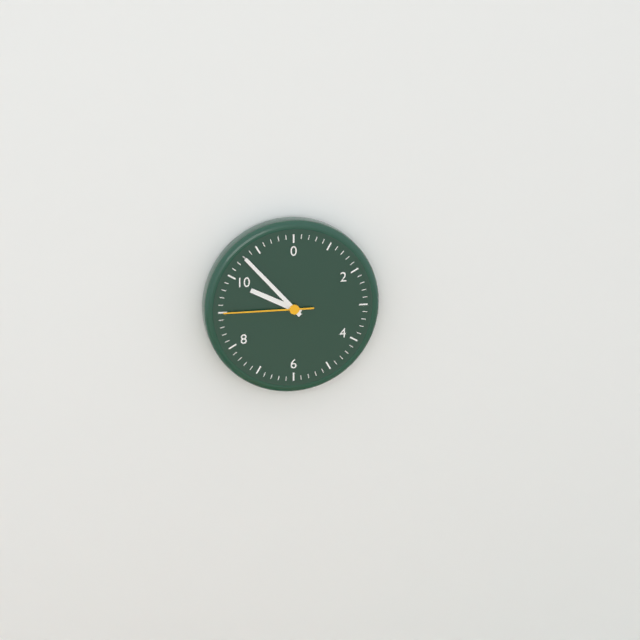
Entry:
9h53m45s
